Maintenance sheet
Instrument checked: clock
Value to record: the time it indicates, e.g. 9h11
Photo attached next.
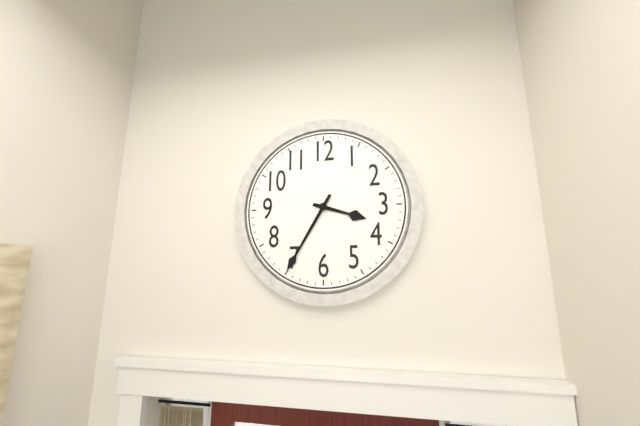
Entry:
3h35
